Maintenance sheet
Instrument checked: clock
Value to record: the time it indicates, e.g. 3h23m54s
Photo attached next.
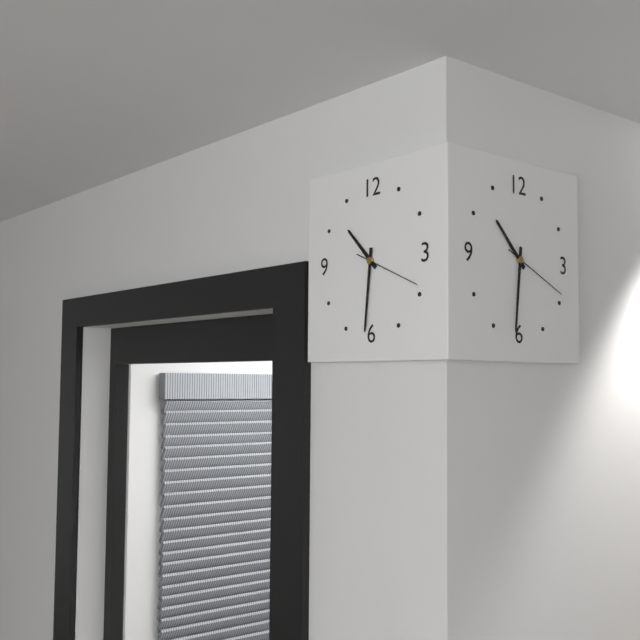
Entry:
10h31m19s
